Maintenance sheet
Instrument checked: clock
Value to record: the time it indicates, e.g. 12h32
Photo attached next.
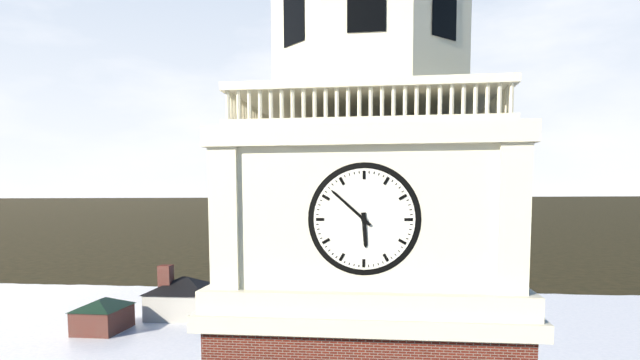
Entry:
5h52
